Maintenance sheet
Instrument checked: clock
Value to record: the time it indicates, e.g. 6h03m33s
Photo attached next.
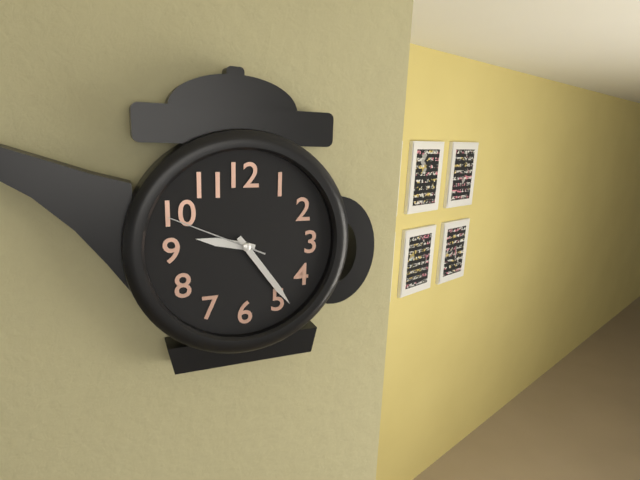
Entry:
9h24m49s
